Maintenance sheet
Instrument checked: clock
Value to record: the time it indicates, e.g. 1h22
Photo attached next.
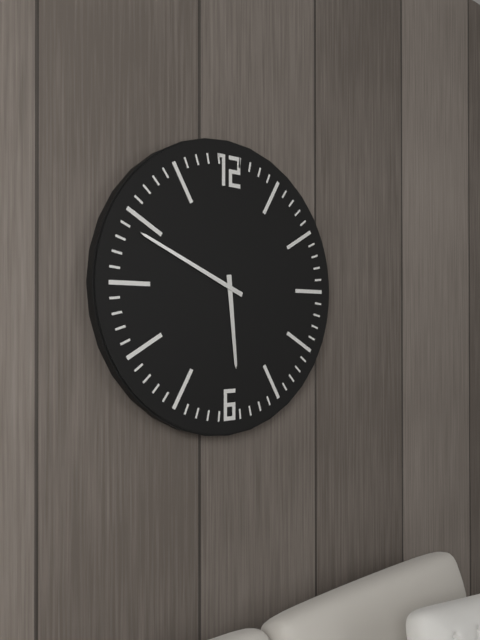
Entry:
5h49
